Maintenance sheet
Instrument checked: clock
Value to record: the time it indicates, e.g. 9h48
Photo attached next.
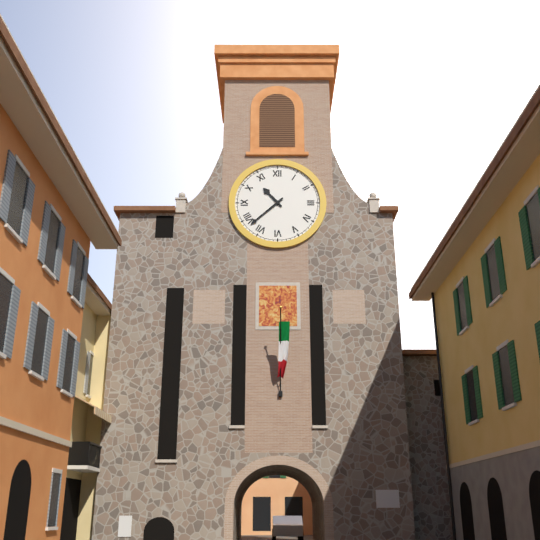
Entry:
10h38
